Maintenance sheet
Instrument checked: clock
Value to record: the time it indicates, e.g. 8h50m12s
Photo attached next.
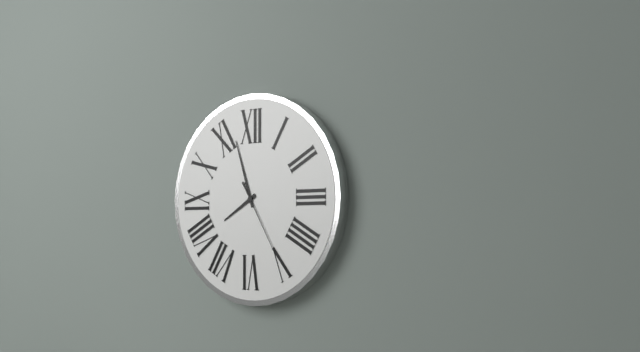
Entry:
7h57m25s
